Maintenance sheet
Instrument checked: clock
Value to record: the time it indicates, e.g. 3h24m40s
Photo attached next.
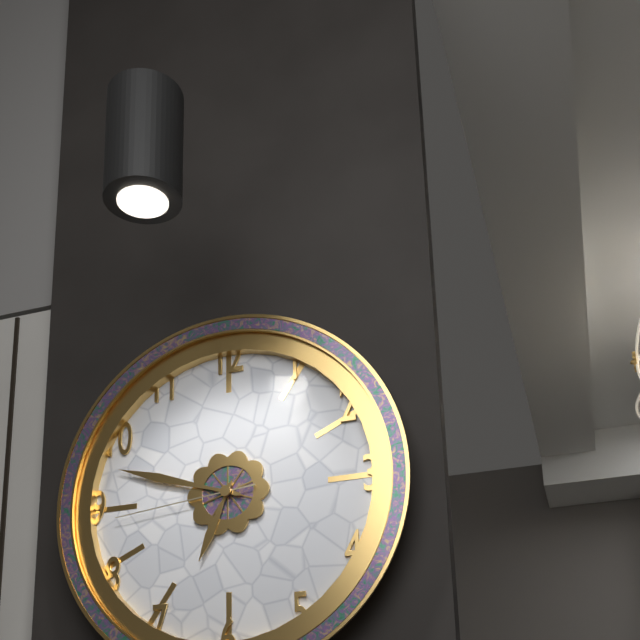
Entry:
6h48m44s
